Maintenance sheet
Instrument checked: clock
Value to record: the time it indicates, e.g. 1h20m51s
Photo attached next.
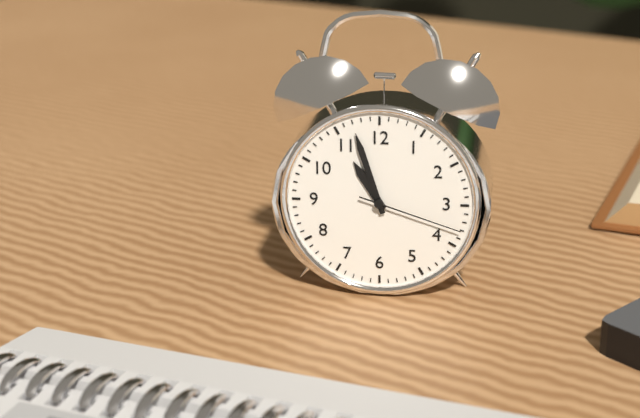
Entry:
10h57m18s
